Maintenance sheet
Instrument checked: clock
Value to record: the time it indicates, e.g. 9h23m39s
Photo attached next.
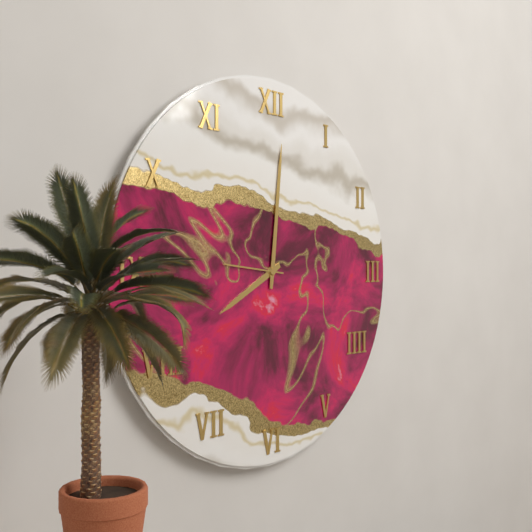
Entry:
8h01m46s
